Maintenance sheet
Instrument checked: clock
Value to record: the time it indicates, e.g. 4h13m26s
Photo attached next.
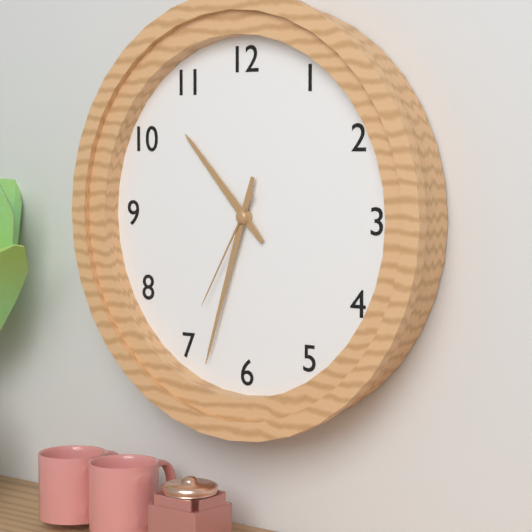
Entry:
10h33m35s
